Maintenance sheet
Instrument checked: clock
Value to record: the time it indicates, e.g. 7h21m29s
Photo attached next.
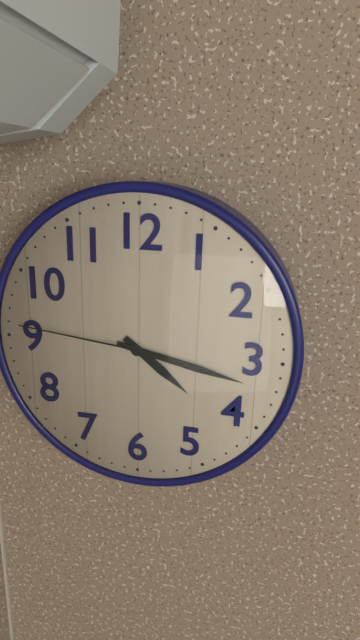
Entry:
4h17m46s
